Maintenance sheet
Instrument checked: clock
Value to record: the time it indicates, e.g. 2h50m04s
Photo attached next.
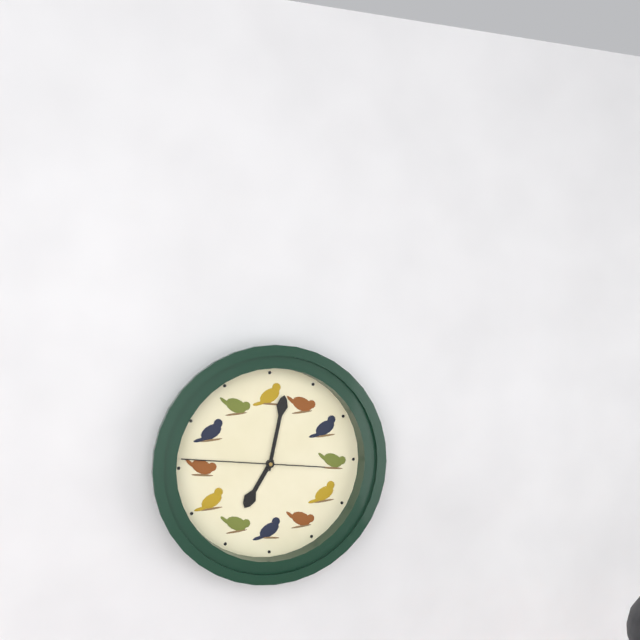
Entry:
7h02m46s
